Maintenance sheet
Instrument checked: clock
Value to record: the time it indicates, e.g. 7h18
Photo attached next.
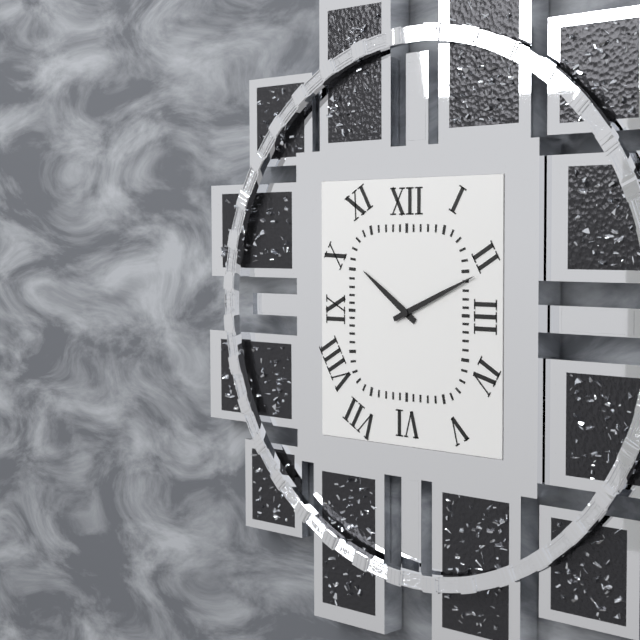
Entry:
10h11
